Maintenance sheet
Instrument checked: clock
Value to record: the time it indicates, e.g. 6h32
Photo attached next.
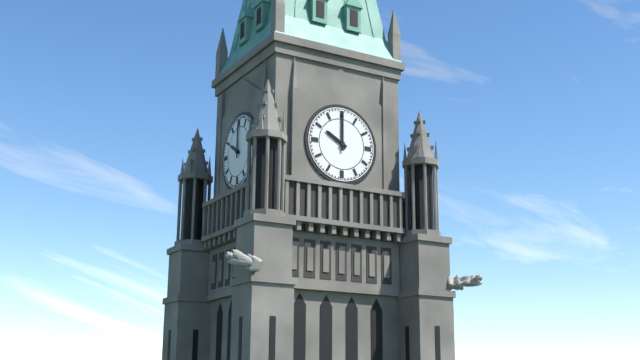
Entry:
10h00
